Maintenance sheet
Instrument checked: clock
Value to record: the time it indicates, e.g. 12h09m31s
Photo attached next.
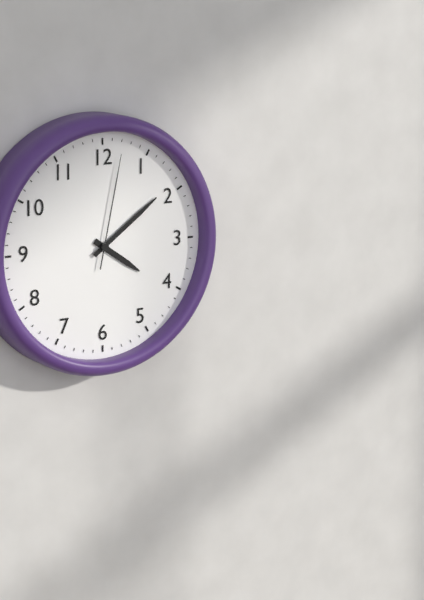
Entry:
4h09m02s
